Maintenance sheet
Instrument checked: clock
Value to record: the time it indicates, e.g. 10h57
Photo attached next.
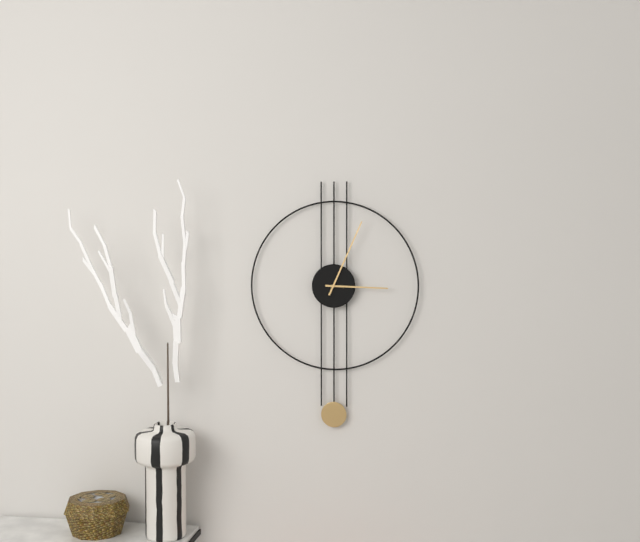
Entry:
3h04
